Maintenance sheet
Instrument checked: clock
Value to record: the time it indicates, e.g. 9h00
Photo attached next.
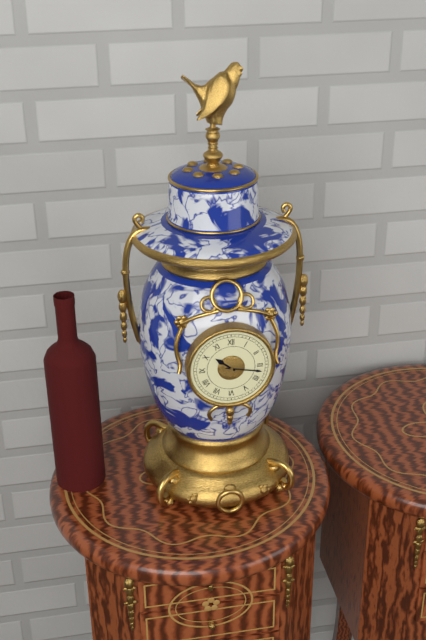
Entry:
10h17
